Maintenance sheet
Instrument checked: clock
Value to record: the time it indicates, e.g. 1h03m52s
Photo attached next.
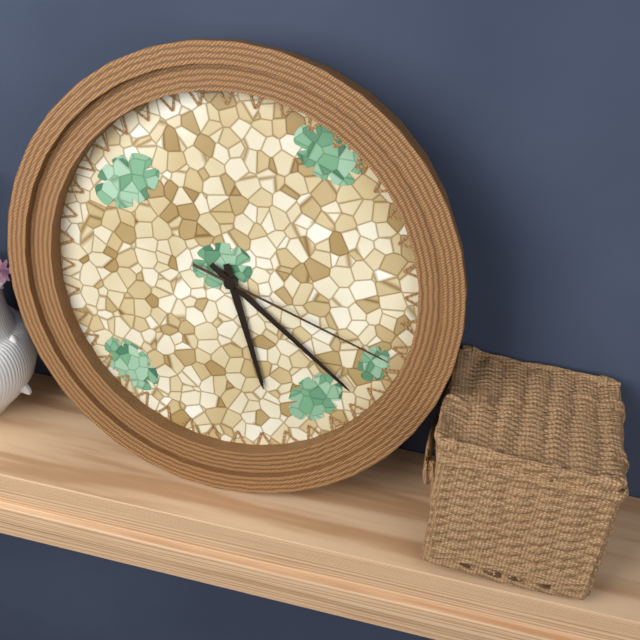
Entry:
5h21m18s
